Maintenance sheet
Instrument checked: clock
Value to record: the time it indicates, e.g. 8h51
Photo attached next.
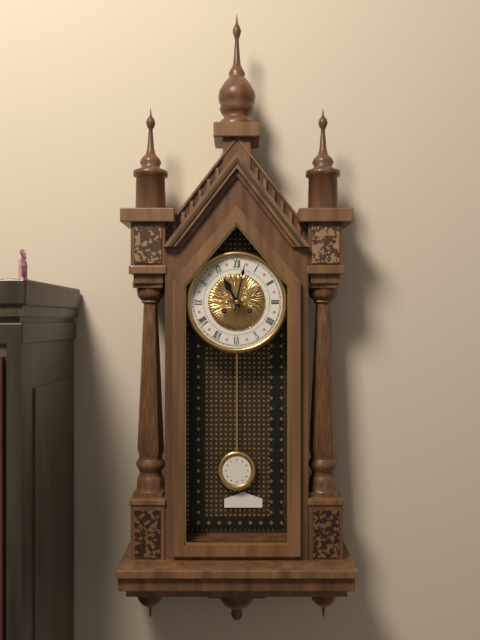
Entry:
11h02
